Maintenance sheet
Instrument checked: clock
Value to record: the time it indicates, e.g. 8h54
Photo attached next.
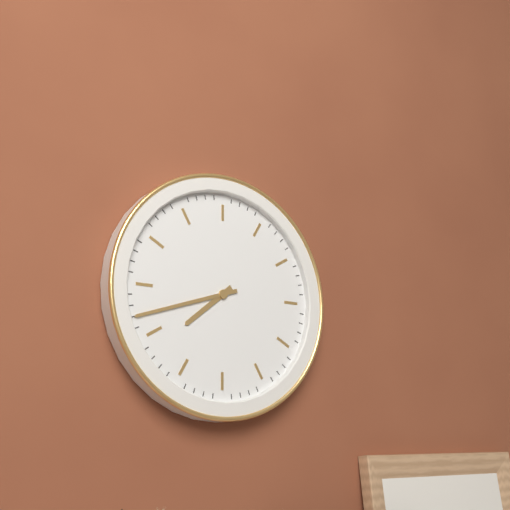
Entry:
7h42
